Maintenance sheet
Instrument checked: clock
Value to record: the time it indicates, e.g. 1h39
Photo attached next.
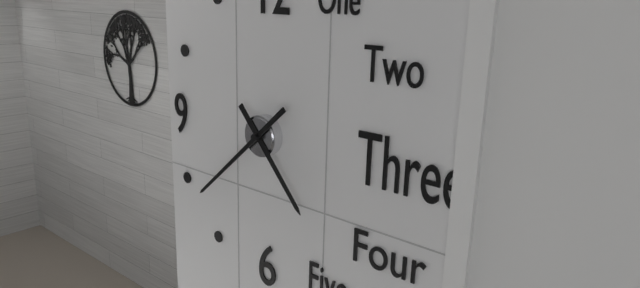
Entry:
4h38
